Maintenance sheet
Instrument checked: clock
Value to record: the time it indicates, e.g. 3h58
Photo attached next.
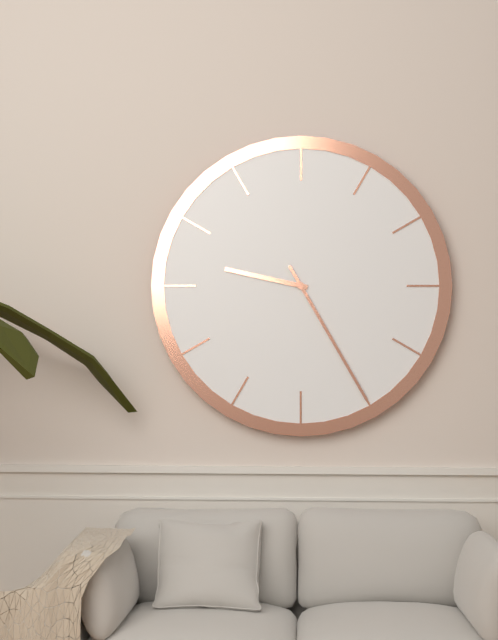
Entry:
9h25
